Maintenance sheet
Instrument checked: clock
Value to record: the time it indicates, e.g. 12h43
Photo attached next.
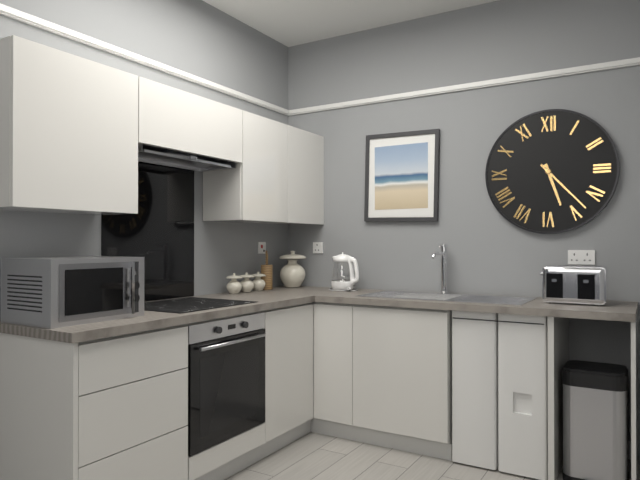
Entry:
5h23
